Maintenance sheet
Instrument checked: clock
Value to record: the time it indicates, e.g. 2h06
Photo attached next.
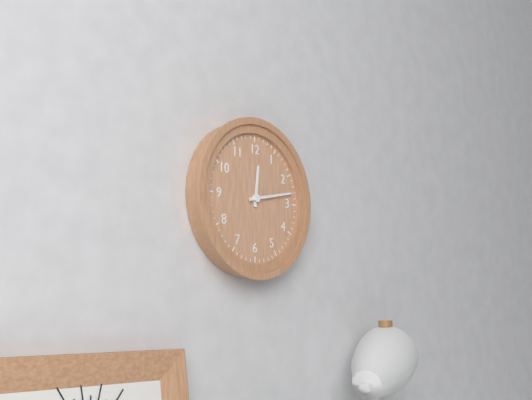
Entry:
12h13
